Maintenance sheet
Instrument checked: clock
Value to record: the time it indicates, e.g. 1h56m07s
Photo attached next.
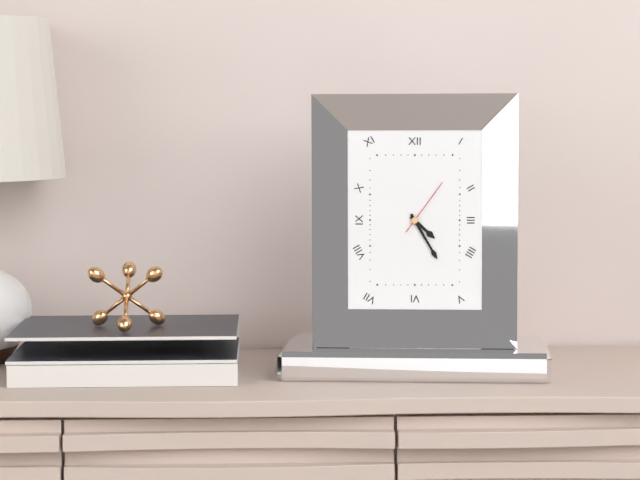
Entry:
4h25m06s
